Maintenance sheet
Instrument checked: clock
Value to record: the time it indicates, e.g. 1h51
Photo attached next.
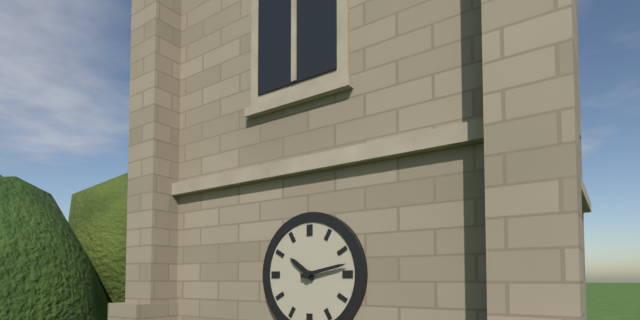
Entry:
10h13
